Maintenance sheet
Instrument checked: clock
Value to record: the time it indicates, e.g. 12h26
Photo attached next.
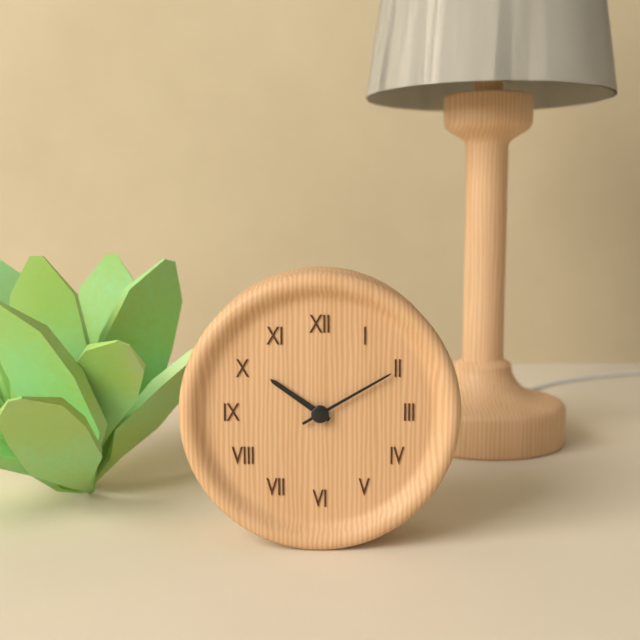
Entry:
10h10
